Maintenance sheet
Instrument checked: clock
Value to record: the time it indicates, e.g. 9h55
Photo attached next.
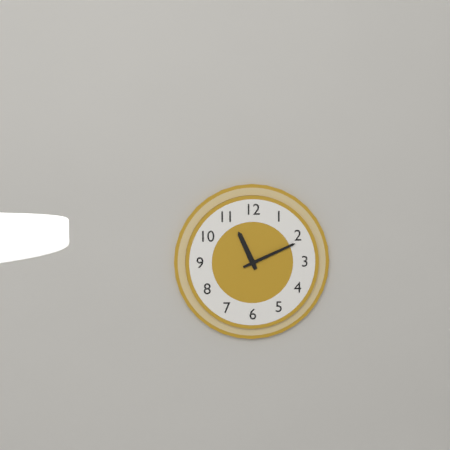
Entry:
11h11
